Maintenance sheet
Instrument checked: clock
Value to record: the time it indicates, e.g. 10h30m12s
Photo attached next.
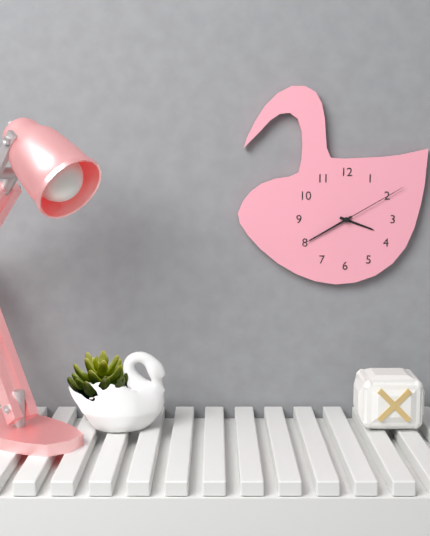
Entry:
3h40m10s
